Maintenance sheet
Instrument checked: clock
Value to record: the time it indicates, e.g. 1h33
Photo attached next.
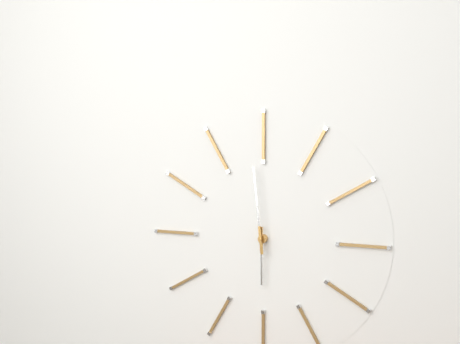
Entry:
5h59
